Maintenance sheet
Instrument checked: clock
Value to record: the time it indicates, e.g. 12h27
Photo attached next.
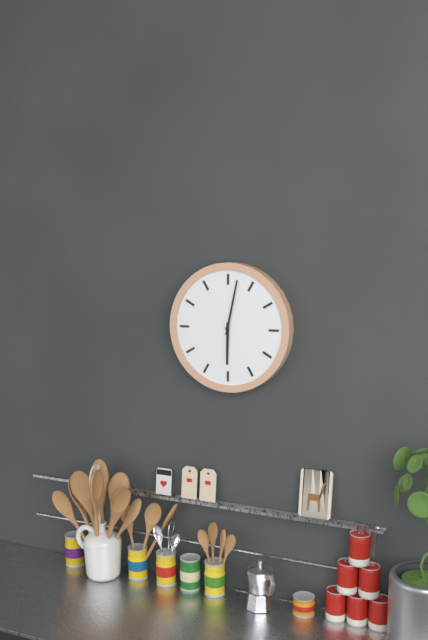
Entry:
6h02
